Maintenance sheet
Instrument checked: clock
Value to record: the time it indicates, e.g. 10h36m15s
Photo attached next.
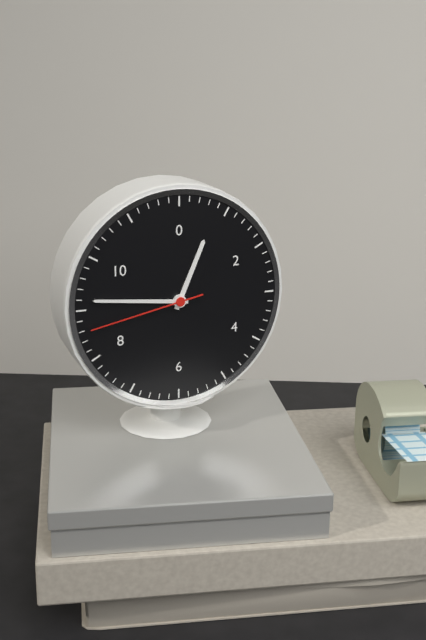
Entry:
12h46m43s
